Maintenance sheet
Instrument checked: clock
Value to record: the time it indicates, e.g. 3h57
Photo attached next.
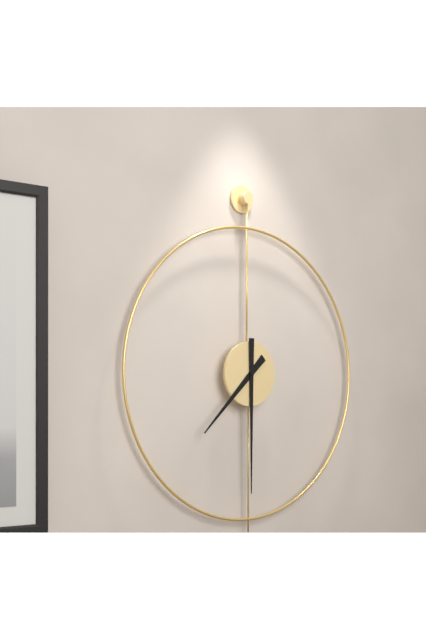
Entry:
7h30
